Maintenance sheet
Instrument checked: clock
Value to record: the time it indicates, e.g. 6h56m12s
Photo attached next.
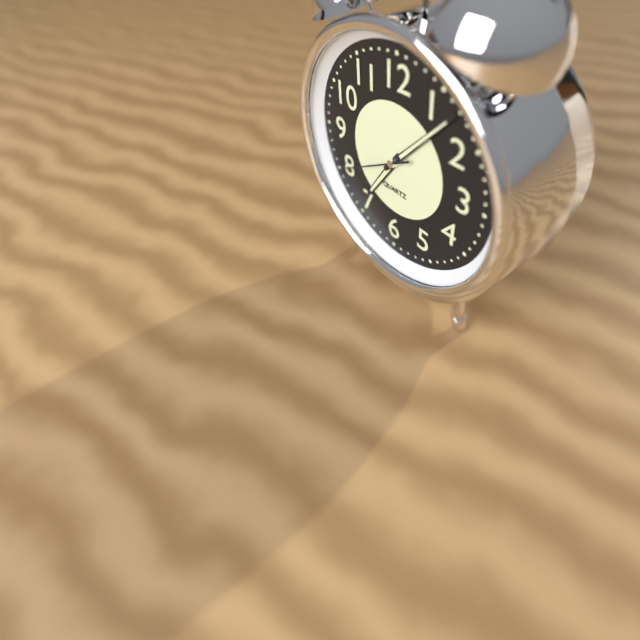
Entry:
7h07m40s
